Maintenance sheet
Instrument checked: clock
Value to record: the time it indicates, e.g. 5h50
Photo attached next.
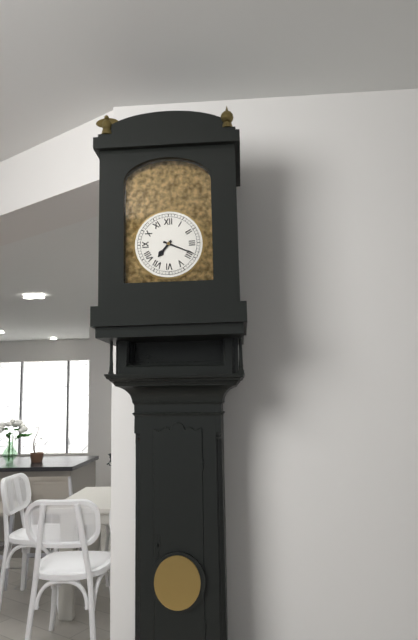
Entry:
7h19
